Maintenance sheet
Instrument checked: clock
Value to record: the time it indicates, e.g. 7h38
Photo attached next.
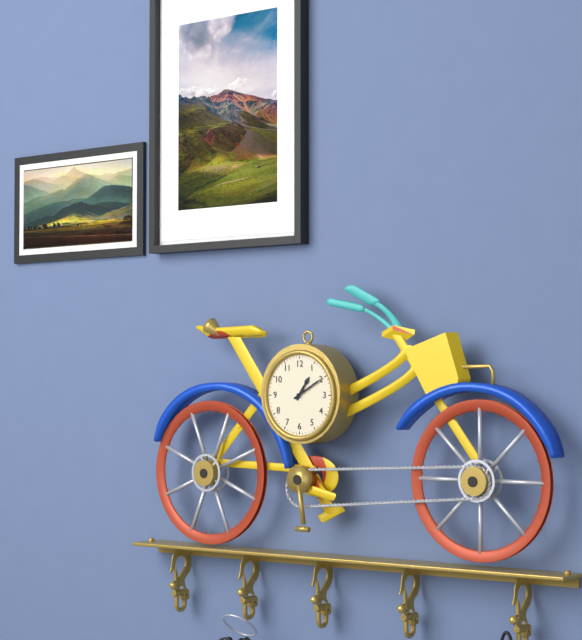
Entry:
1h10
